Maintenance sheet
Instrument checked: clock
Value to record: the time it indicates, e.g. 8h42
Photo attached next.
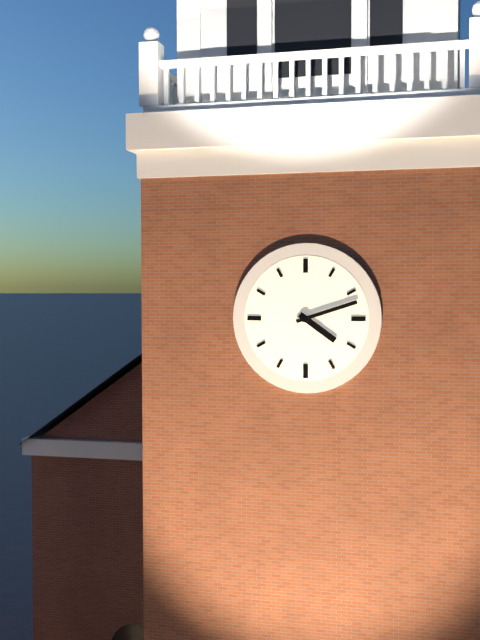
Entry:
4h12
